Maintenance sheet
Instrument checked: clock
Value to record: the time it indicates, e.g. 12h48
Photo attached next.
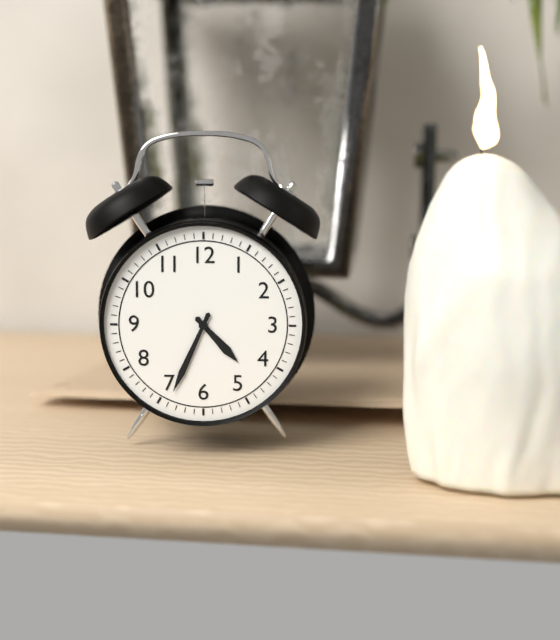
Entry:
4h34
